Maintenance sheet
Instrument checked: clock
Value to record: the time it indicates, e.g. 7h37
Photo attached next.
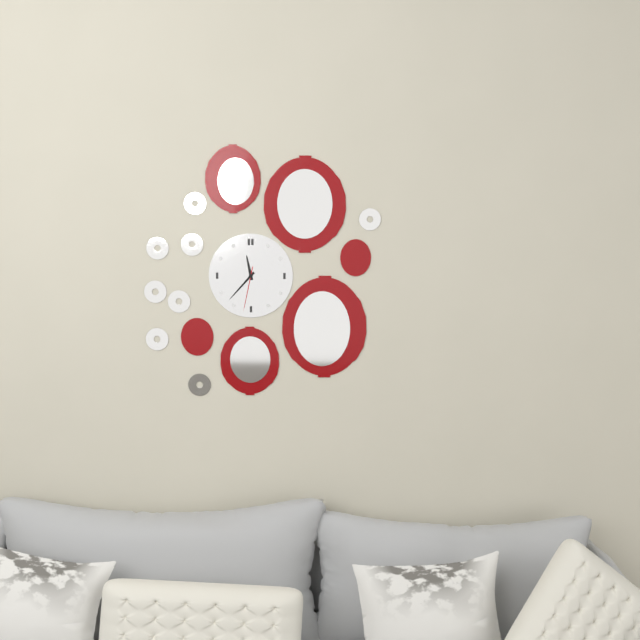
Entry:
11h37
